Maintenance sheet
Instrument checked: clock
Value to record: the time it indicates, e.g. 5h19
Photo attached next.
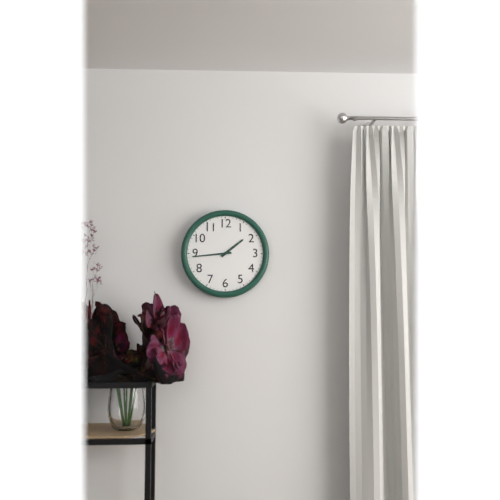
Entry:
1h44
